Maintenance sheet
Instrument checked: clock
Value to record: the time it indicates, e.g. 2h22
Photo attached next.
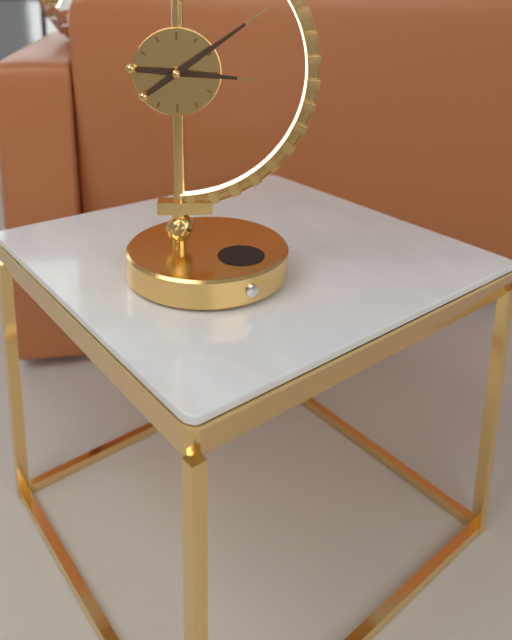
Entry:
3h09
